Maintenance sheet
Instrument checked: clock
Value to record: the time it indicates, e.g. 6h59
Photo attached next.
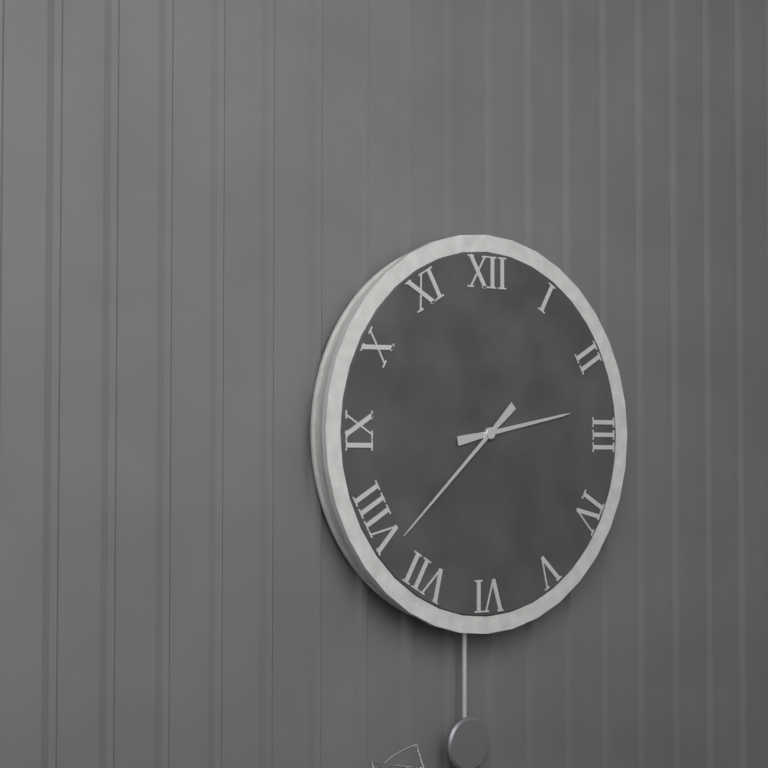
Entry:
2h38
